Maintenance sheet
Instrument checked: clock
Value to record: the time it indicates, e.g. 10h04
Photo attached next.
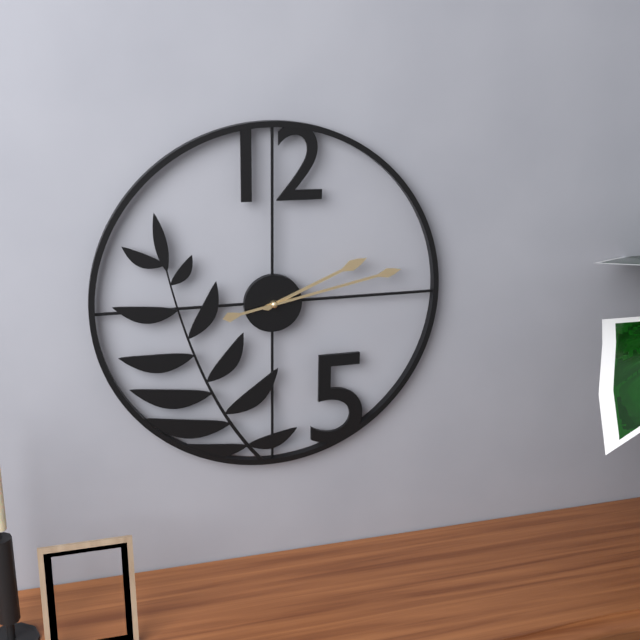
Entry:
2h13
